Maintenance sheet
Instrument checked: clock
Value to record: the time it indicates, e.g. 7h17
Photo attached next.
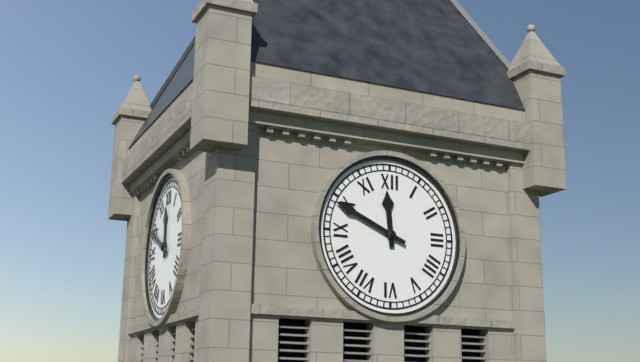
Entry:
11h49
